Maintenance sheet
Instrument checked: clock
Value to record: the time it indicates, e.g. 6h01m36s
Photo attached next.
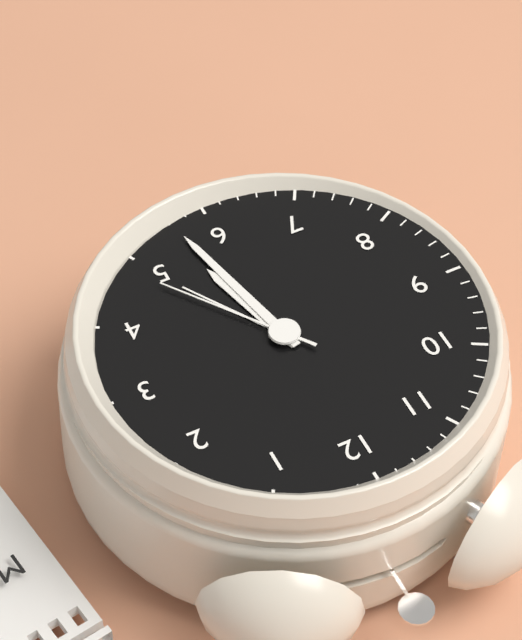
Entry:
5h28m24s
